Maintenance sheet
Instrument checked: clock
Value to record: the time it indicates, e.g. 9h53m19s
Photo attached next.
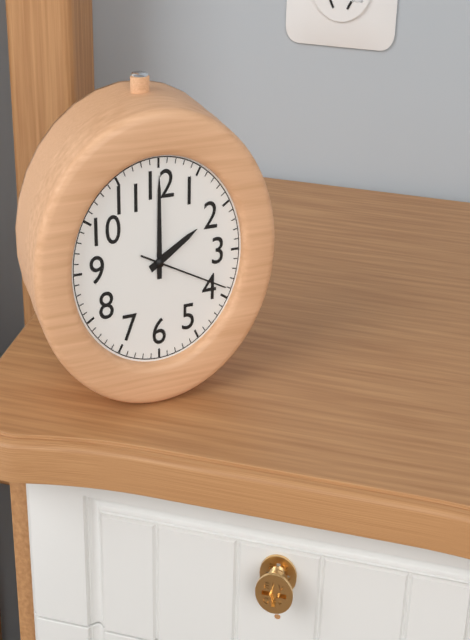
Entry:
2h00m19s
